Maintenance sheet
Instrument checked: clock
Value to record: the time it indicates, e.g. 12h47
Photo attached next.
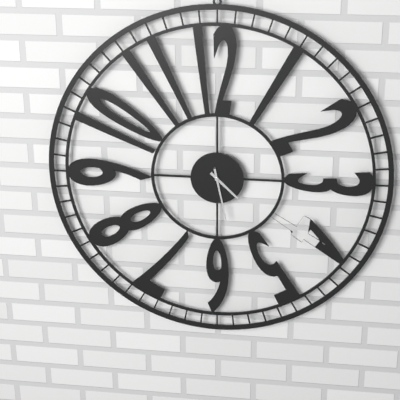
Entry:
4h28
